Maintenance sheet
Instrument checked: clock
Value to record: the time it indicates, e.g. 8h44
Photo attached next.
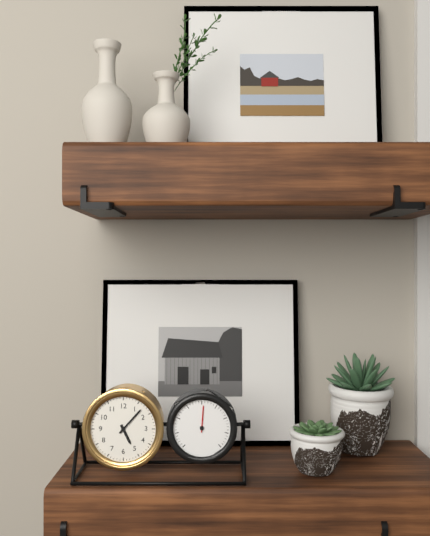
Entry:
5h07
